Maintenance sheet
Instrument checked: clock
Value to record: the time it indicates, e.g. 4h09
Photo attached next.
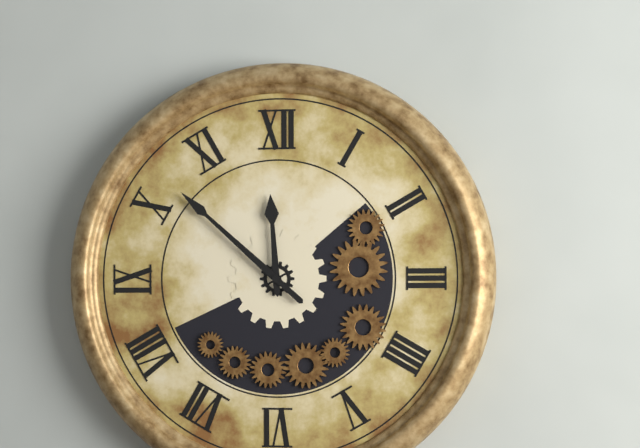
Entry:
11h52
